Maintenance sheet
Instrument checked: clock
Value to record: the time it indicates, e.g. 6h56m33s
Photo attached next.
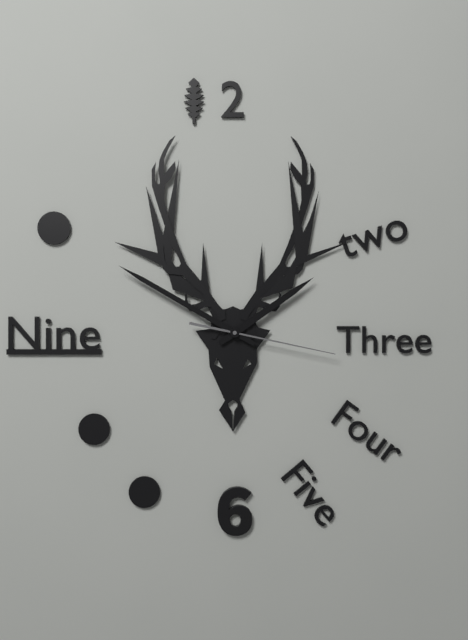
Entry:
1h50m17s
